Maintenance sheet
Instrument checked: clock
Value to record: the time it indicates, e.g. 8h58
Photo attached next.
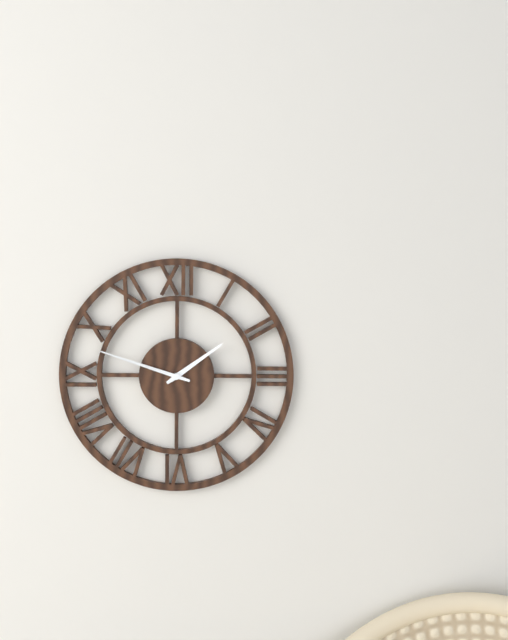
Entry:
1h48
